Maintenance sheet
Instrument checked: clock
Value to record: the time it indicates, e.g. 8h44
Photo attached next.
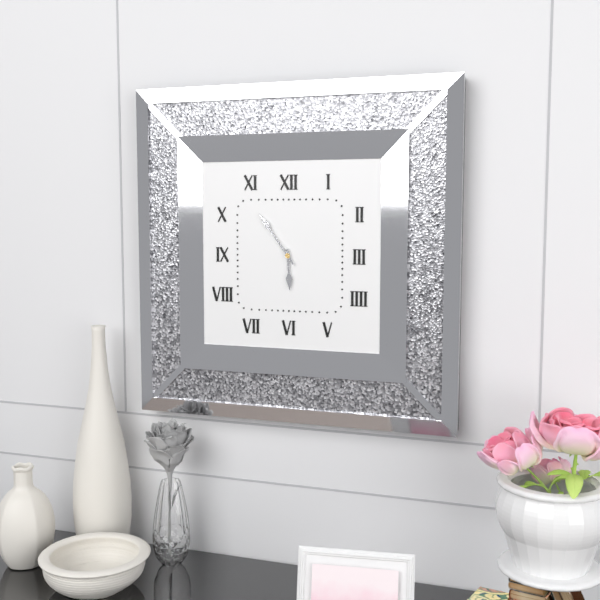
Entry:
5h54
